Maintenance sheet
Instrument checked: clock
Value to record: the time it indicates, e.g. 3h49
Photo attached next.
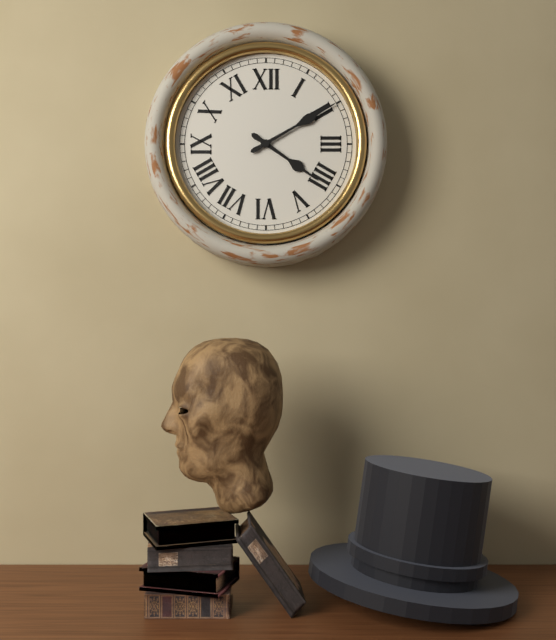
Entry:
4h10
